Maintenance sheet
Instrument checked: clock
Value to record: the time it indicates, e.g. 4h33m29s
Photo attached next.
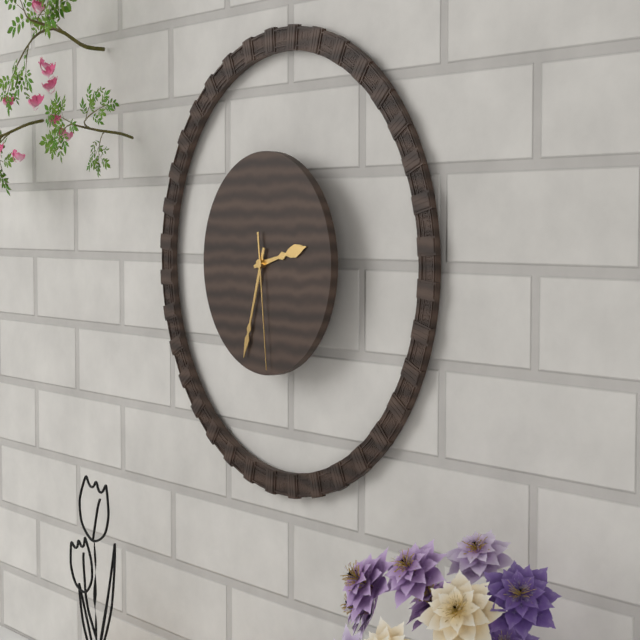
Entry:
2h33m29s
